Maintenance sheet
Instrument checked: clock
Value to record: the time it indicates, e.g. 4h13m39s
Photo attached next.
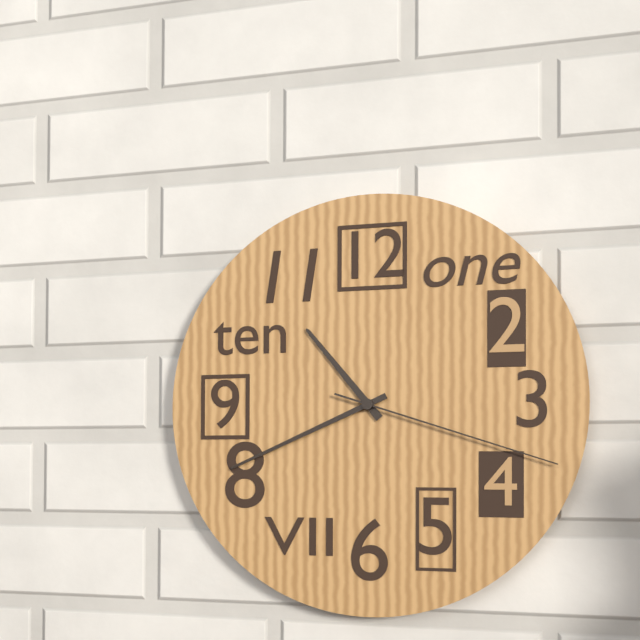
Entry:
10h41m18s
